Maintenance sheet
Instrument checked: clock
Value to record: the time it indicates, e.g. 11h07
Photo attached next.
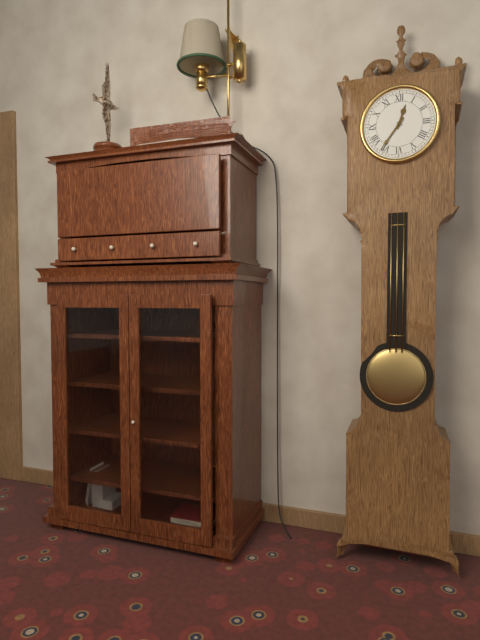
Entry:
12h36
